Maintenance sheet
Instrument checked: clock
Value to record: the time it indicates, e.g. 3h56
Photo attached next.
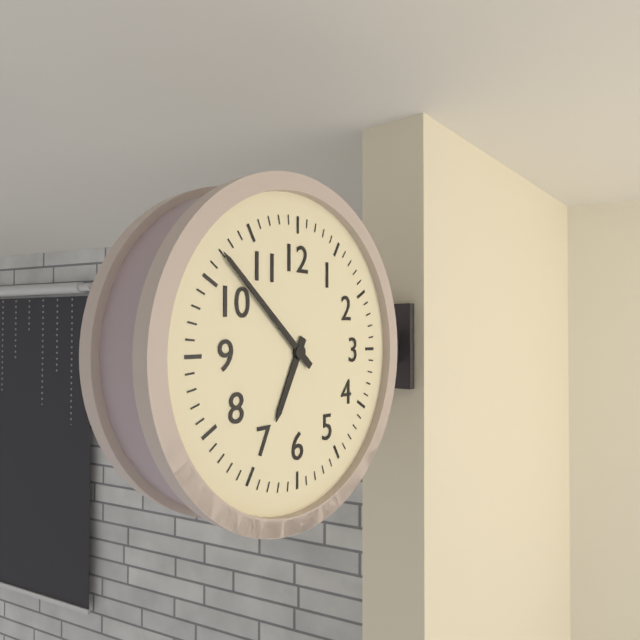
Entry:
6h52
